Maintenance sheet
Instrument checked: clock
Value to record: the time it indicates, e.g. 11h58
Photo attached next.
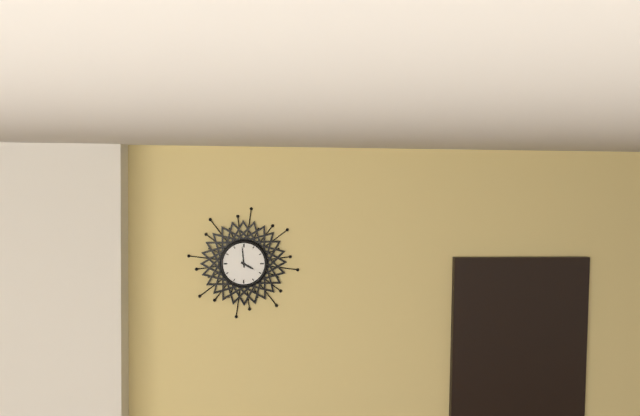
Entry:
3h59
